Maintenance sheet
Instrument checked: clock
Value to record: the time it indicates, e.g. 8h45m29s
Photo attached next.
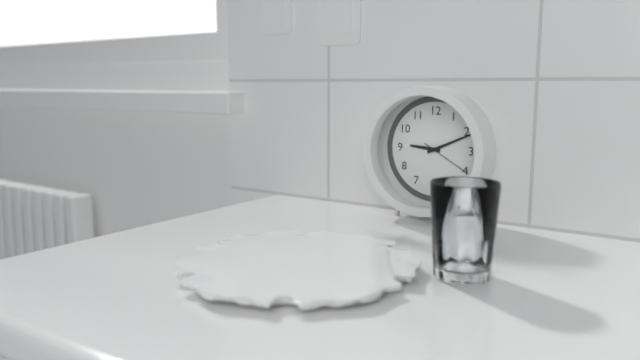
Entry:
9h11m20s
